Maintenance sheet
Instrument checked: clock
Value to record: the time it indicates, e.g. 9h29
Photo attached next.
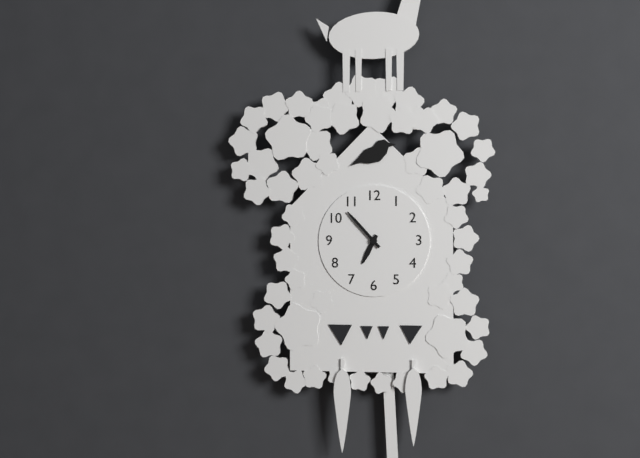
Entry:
6h53
